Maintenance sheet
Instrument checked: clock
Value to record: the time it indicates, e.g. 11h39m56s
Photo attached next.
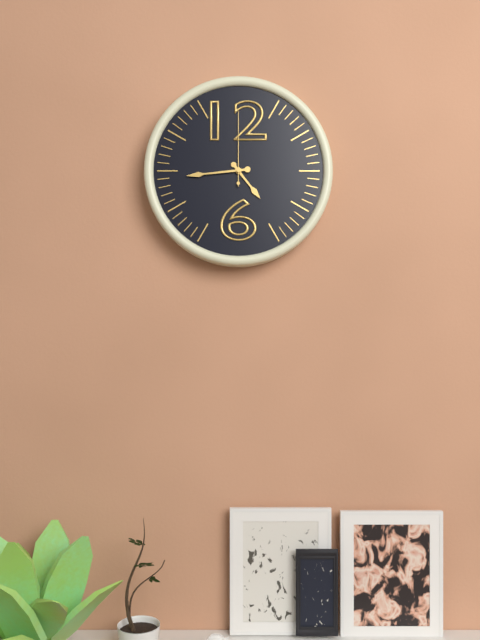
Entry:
4h44m00s
